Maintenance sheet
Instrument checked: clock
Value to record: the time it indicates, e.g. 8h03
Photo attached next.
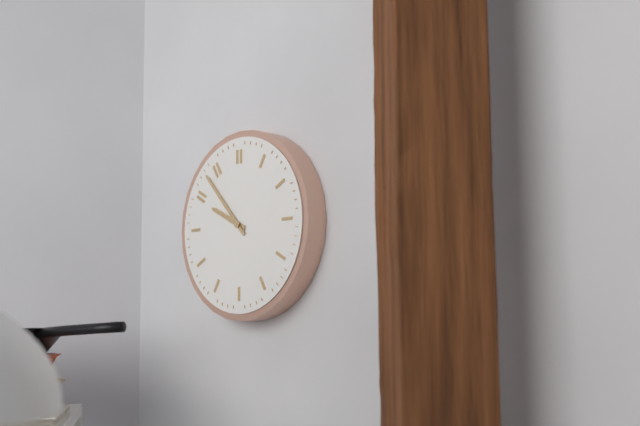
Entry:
9h53
